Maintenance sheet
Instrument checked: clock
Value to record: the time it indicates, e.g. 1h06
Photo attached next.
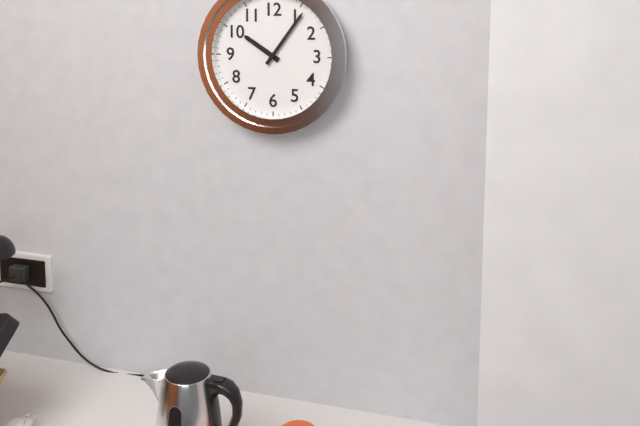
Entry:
10h06
